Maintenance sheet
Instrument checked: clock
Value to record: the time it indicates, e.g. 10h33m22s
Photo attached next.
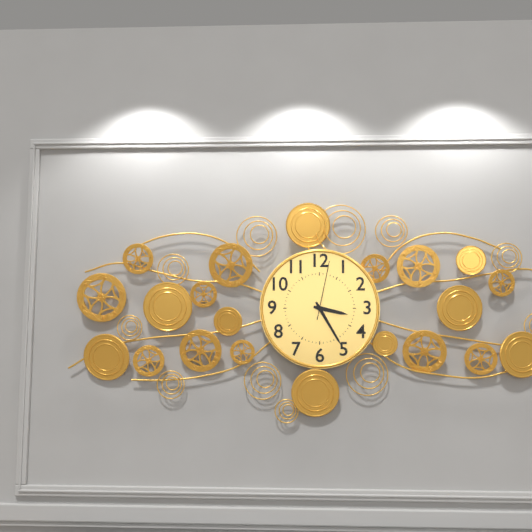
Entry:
3h25m02s
